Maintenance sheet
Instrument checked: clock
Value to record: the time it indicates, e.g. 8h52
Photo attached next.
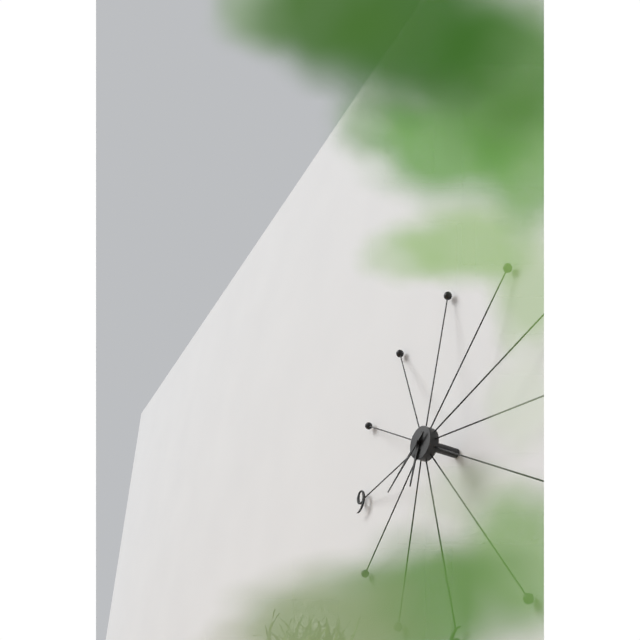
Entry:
6h39
